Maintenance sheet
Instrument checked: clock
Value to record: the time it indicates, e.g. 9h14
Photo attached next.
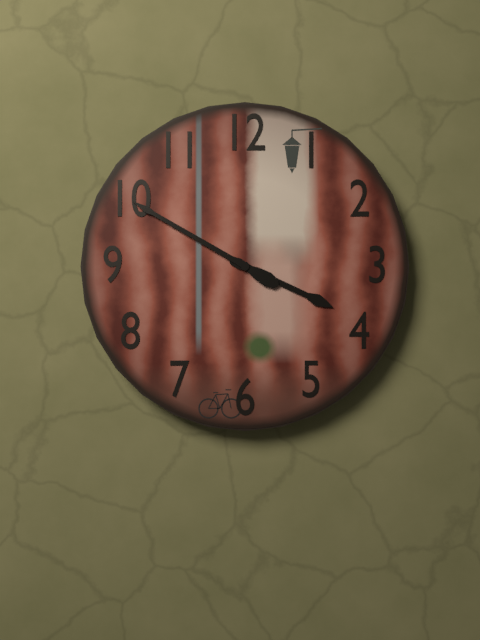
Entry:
3h50
